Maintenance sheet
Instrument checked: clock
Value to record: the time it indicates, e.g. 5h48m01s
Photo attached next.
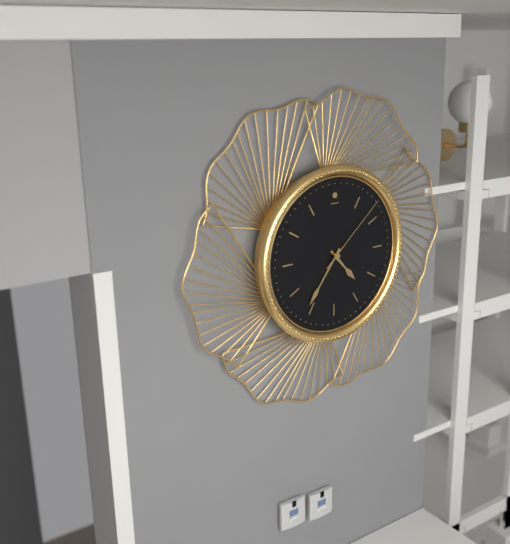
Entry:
4h36m08s
